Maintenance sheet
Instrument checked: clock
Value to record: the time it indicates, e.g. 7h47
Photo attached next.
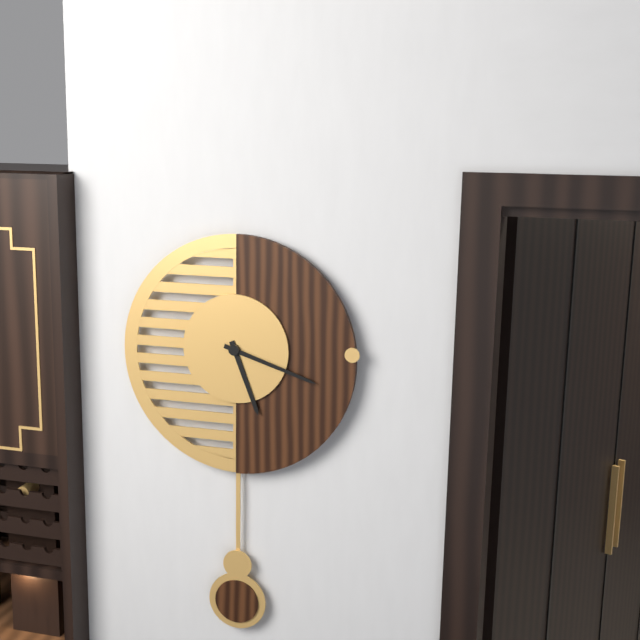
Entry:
5h18
